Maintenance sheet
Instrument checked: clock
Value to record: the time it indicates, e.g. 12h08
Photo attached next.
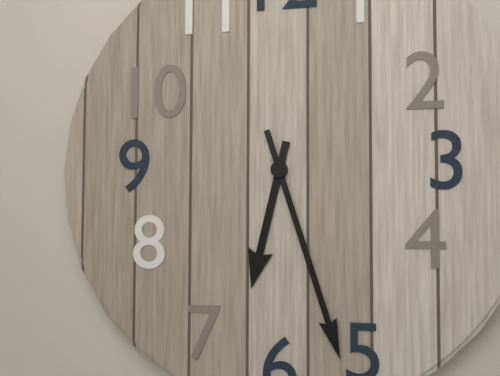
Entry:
6h27
